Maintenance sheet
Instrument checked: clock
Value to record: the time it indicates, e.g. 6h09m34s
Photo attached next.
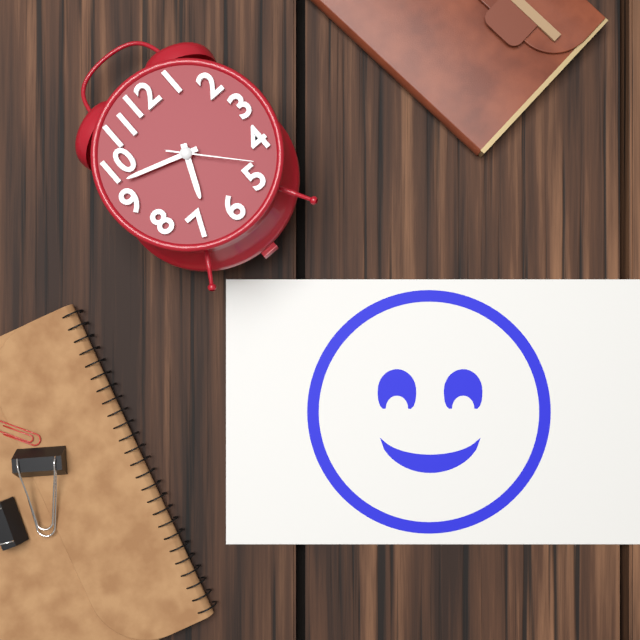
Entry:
6h48m23s
